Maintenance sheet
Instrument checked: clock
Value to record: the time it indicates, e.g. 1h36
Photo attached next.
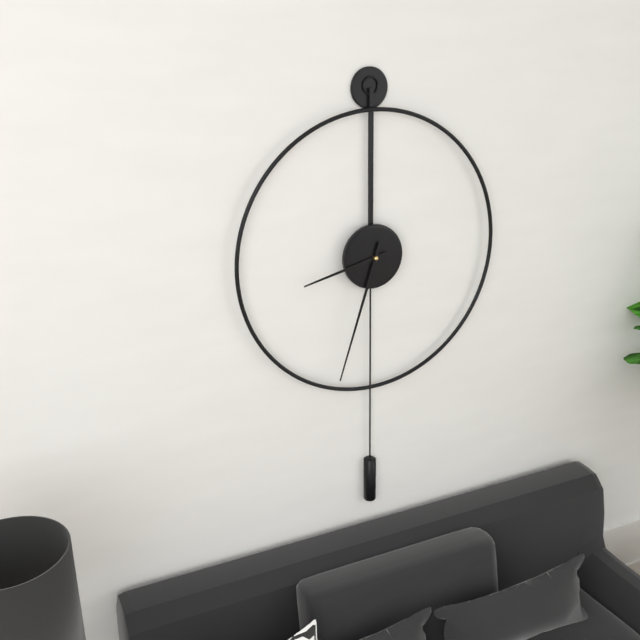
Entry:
8h33
